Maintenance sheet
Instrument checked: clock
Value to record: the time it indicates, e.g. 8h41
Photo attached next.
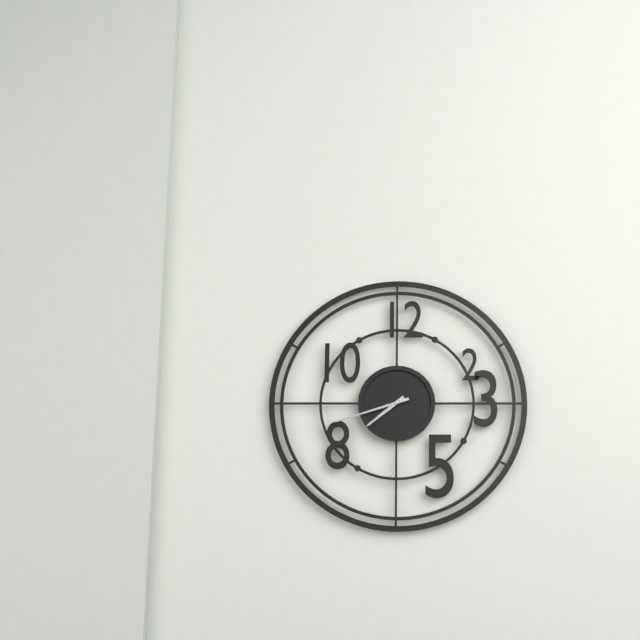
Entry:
7h42
